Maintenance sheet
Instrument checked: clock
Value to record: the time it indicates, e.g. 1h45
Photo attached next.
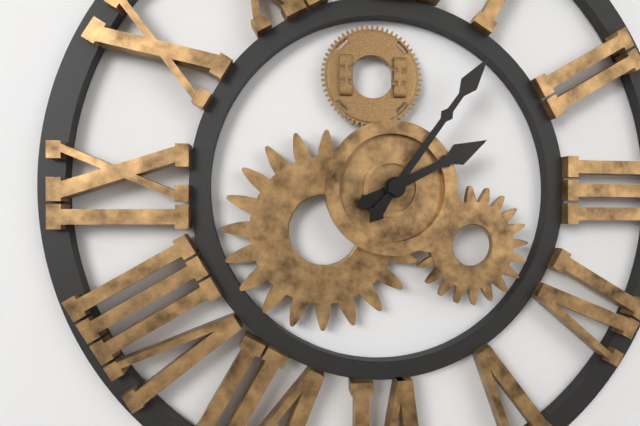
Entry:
2h06
